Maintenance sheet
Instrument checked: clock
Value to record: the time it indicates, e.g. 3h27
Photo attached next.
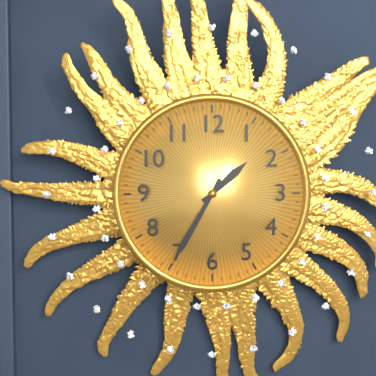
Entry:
1h35
